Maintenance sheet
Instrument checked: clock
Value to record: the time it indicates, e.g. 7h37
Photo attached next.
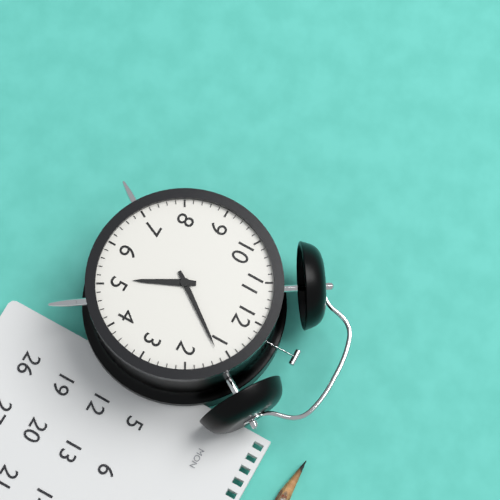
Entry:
5h06
